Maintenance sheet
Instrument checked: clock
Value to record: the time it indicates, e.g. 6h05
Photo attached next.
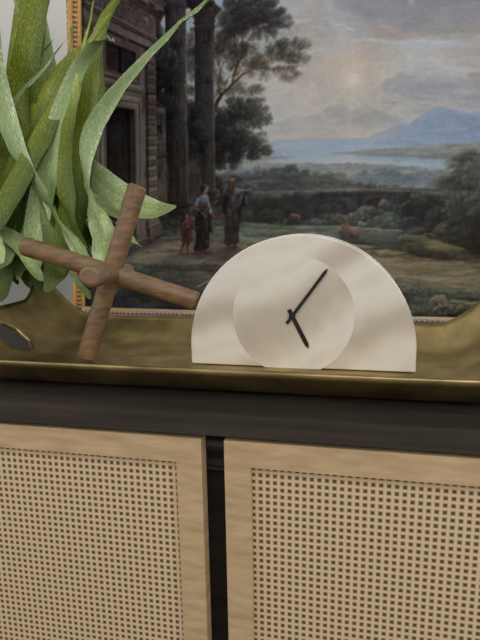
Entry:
5h06
